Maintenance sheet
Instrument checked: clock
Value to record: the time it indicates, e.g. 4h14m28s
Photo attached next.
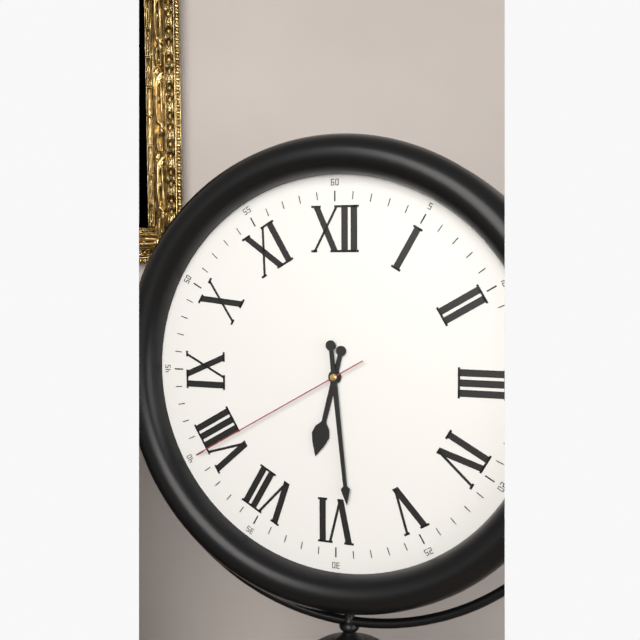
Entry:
6h29m40s
